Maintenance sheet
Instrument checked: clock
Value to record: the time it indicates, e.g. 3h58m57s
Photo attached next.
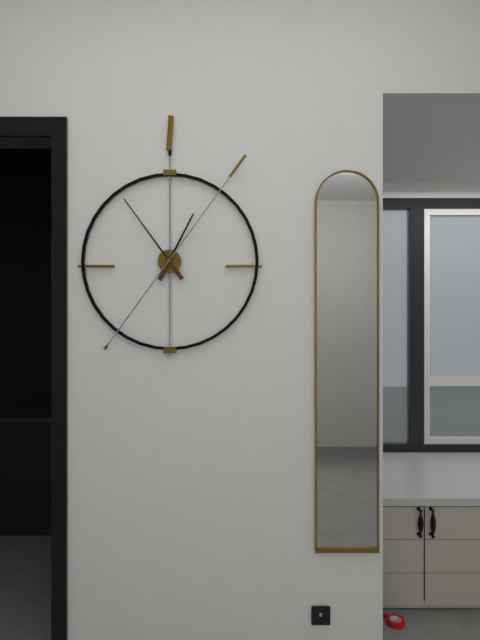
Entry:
12h54m06s
